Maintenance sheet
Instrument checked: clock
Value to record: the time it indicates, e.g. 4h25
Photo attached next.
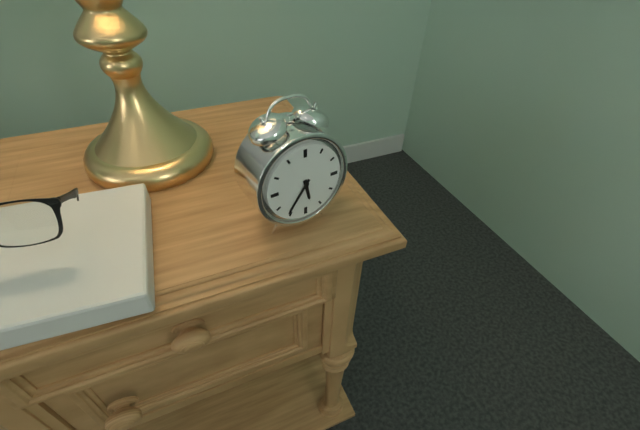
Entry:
5h36
